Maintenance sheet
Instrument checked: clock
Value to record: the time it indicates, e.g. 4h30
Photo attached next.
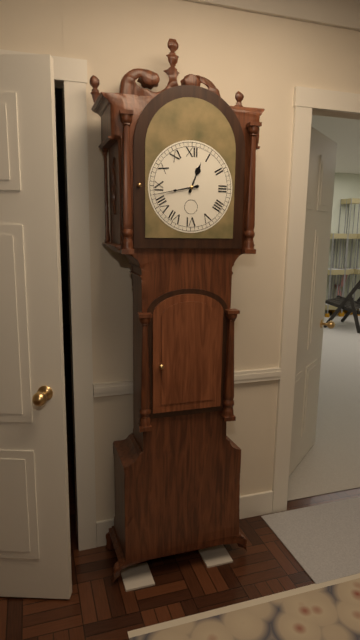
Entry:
12h43
